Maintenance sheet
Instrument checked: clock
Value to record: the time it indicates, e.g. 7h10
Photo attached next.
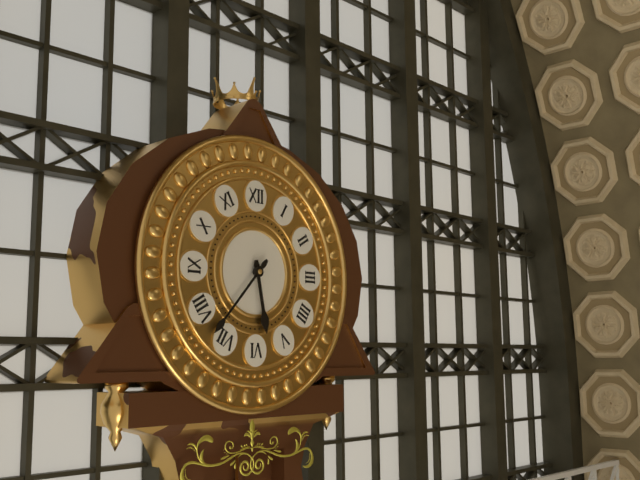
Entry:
5h37
